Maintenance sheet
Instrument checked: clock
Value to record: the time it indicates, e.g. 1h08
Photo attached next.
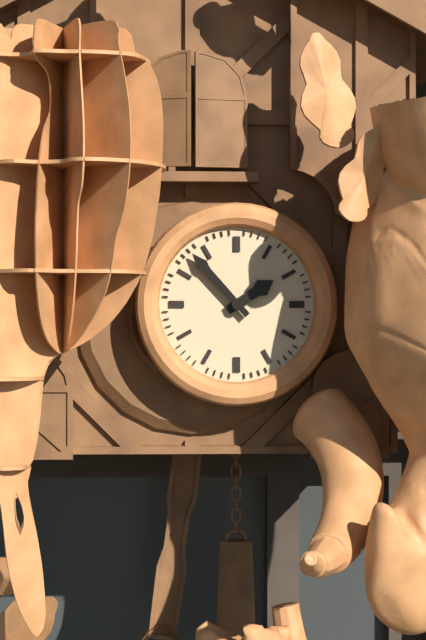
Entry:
1h53
